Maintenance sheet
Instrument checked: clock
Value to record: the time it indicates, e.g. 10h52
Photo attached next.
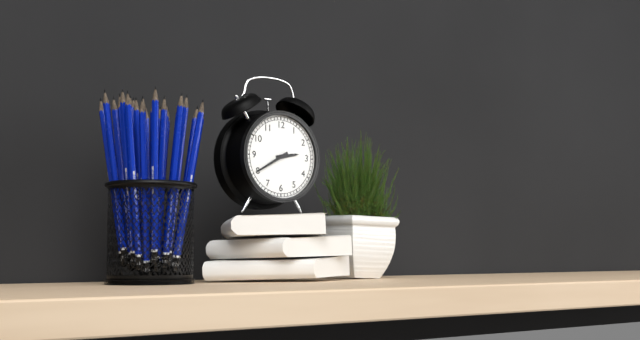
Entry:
2h40
